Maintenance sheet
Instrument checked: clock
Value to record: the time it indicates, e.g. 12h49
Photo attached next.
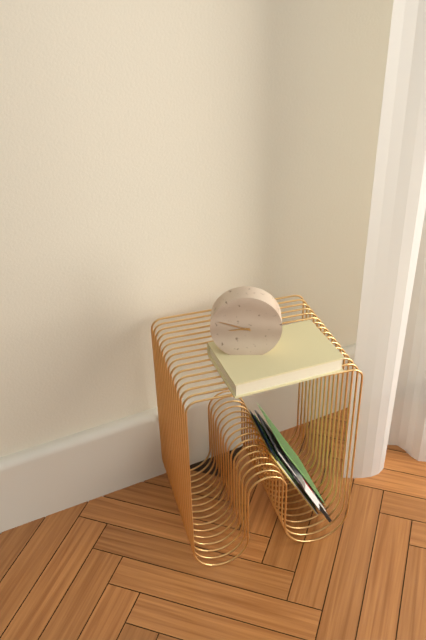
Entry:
8h48
